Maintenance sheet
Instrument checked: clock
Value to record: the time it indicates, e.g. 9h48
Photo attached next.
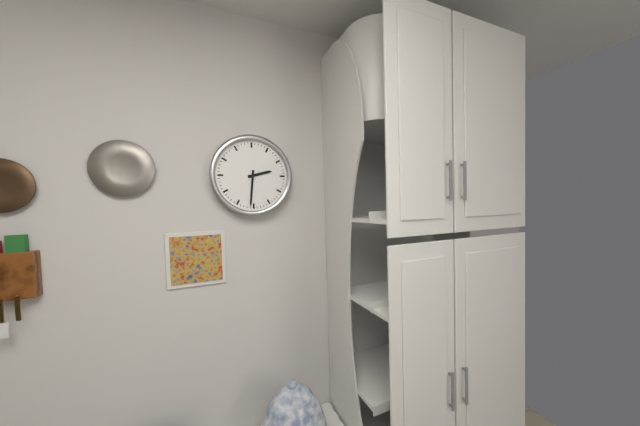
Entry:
2h31
